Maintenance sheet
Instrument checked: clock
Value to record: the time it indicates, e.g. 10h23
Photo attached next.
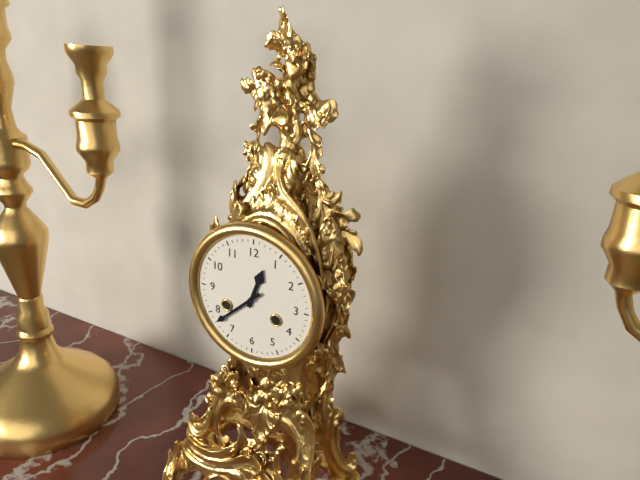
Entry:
12h38
